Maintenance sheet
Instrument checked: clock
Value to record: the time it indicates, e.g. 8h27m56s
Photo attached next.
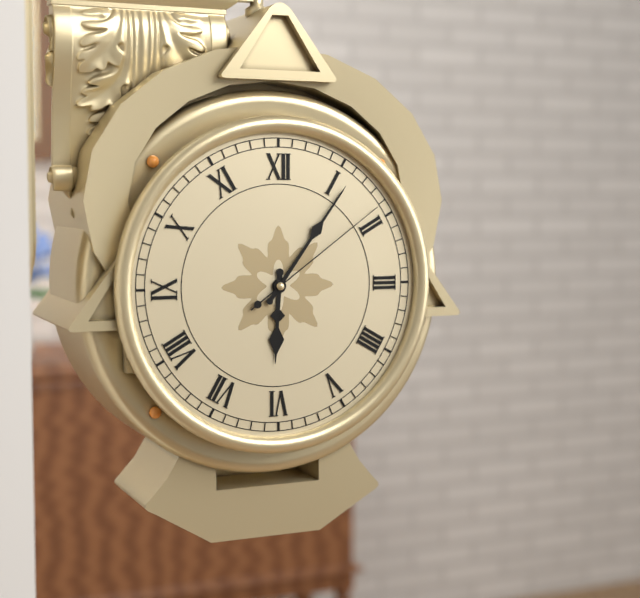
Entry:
6h06m09s
